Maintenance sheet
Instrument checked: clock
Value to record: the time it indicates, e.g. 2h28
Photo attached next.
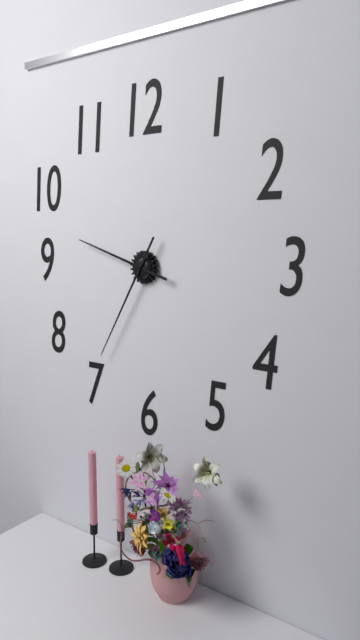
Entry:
9h35
